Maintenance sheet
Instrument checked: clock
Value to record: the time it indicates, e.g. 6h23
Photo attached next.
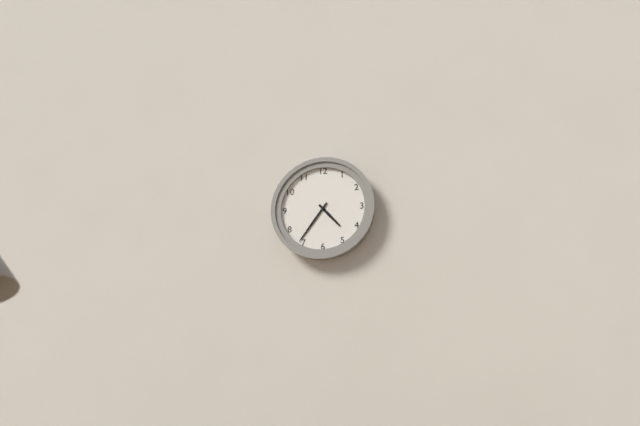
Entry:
4h36
